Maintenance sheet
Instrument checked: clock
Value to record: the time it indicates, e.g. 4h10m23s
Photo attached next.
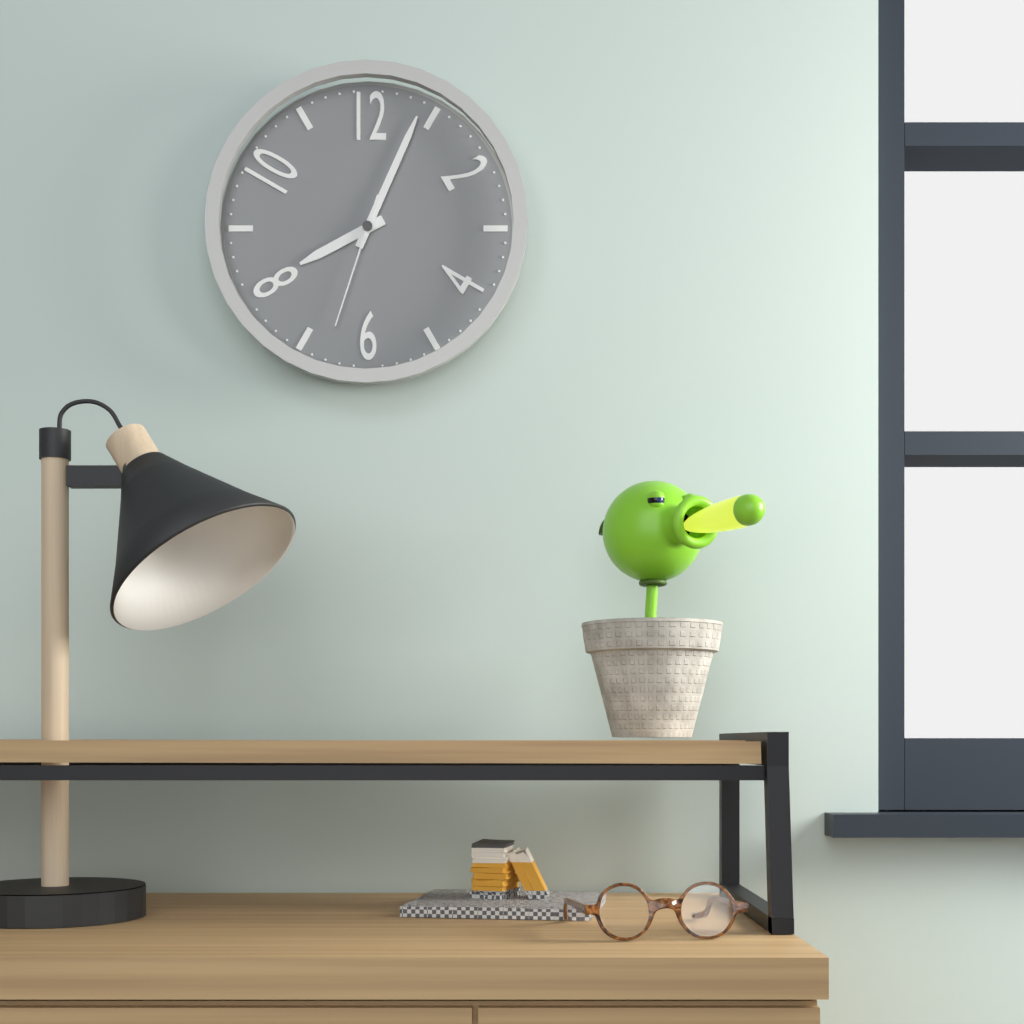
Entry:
8h04m33s
